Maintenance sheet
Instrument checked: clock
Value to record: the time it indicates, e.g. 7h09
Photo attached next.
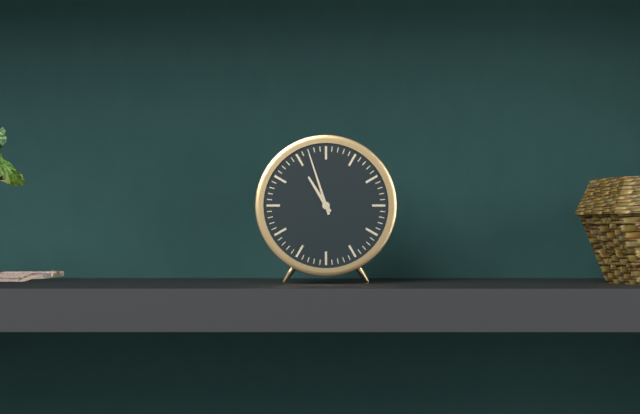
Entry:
10h57
